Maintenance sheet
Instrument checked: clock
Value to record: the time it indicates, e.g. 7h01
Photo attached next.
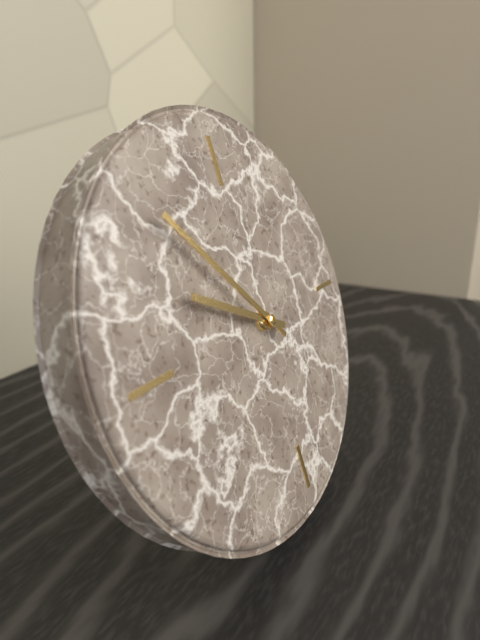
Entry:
9h53
